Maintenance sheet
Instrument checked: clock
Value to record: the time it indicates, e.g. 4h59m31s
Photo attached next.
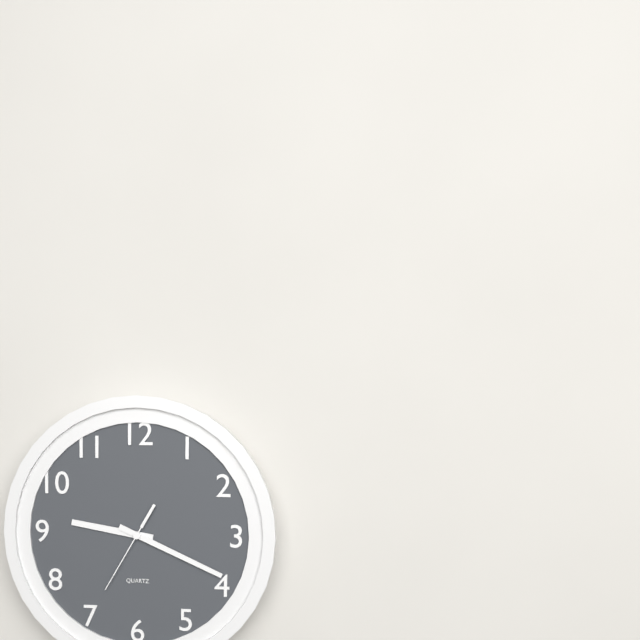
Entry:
9h19m35s
